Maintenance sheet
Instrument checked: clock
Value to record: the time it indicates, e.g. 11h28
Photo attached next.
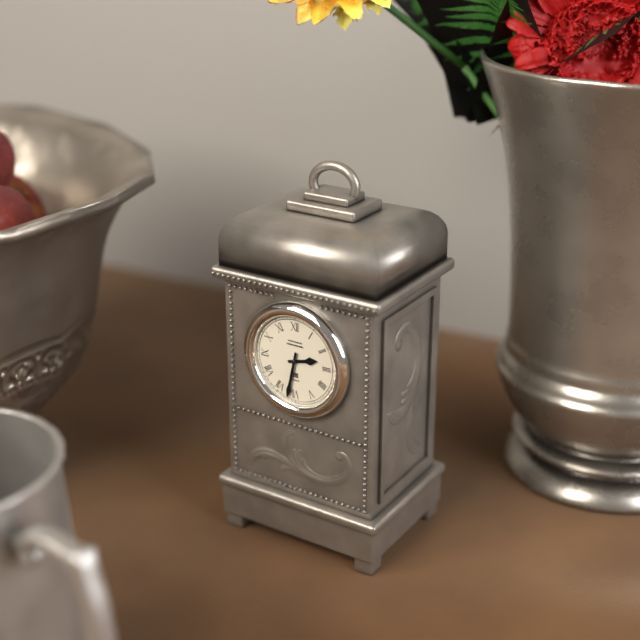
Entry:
2h32
